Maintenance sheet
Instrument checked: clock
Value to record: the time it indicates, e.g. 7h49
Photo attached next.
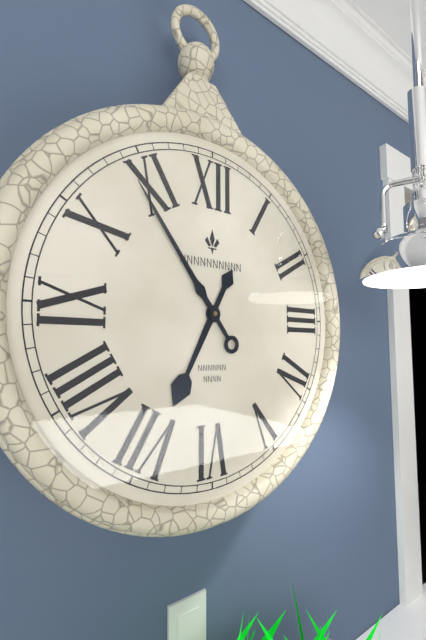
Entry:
6h54
